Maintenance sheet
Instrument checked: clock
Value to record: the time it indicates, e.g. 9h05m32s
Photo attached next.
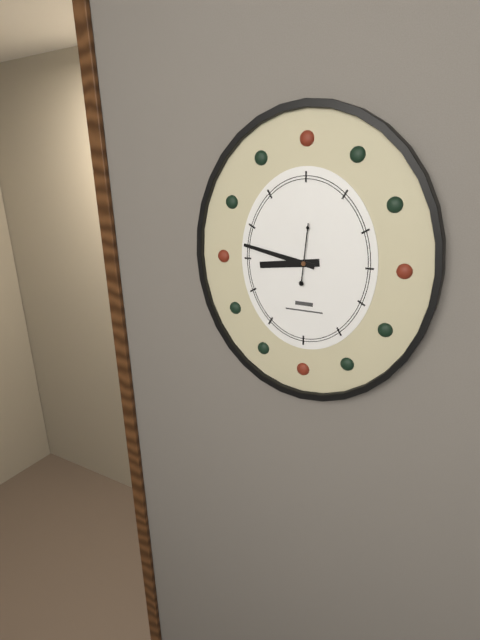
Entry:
8h47m01s
